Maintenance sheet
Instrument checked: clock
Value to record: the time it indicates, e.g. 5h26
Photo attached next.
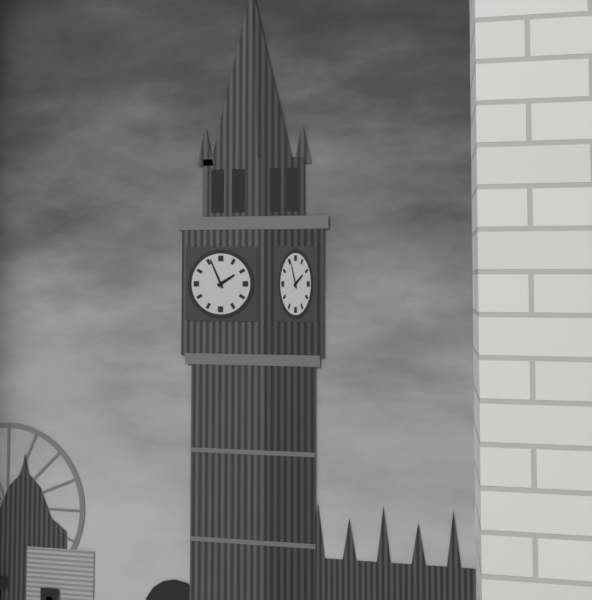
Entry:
1h56
